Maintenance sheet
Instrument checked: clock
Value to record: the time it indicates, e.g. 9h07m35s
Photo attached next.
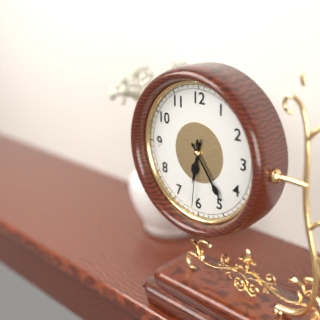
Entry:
6h24m31s
